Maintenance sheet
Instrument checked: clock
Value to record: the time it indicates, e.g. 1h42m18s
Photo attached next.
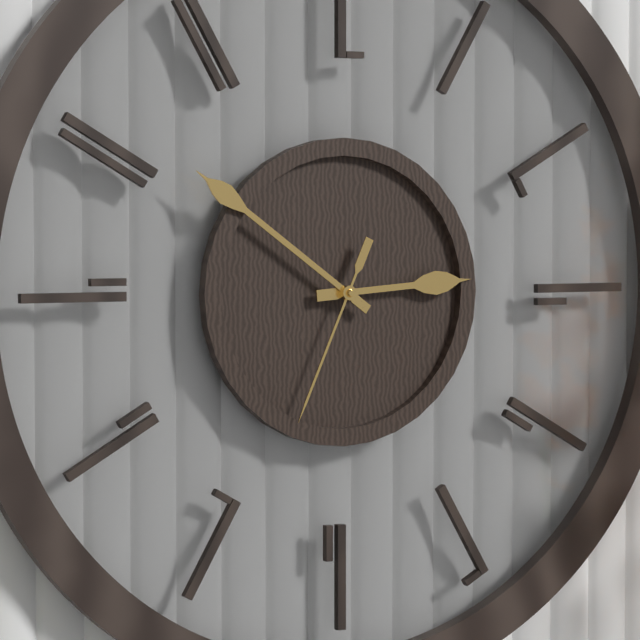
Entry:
2h51m34s
